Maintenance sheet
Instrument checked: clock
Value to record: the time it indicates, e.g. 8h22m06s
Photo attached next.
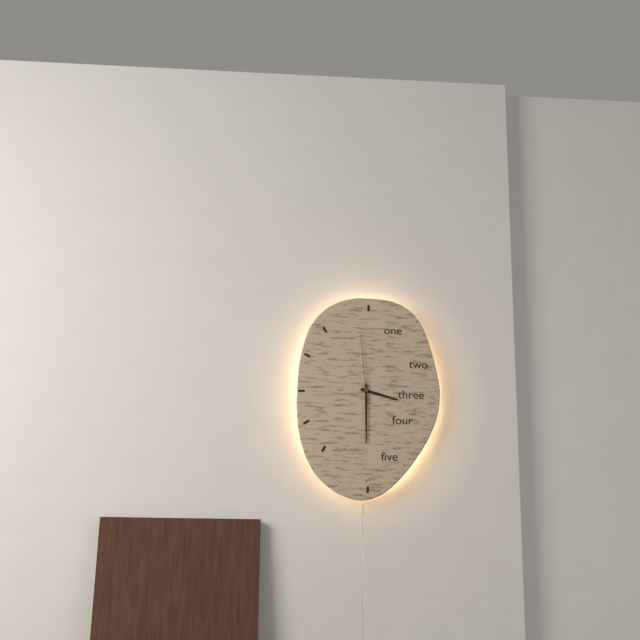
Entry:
3h30m59s
